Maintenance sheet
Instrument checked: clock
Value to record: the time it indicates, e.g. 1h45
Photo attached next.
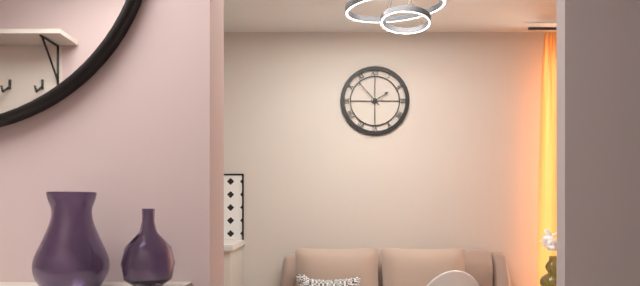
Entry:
1h53
